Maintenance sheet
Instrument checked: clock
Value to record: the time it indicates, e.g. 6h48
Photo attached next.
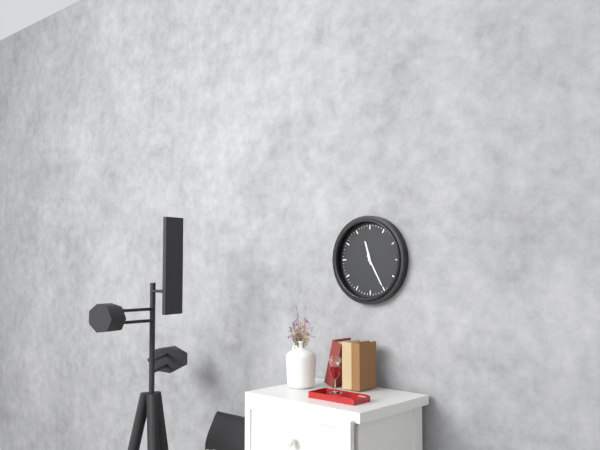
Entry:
11h25
